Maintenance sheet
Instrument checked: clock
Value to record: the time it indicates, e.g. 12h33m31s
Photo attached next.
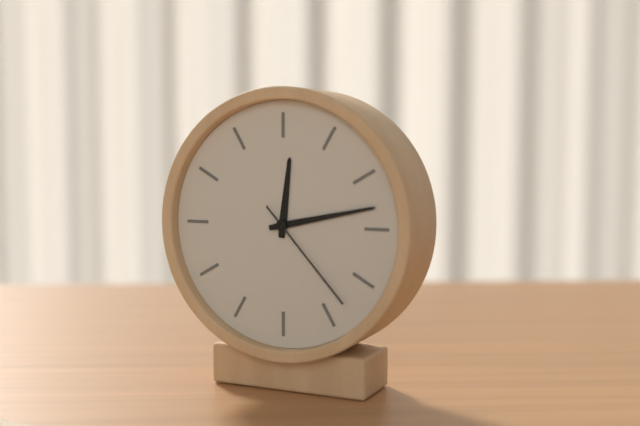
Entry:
12h13m23s
